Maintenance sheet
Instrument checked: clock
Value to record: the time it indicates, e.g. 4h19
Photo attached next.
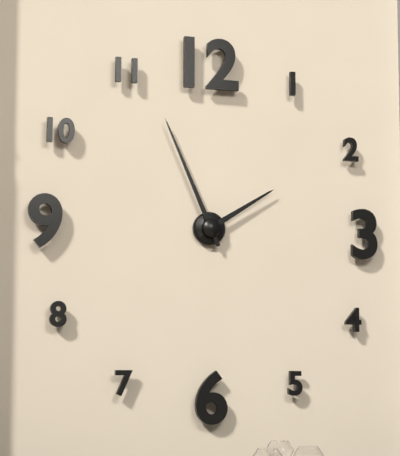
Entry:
1h56
